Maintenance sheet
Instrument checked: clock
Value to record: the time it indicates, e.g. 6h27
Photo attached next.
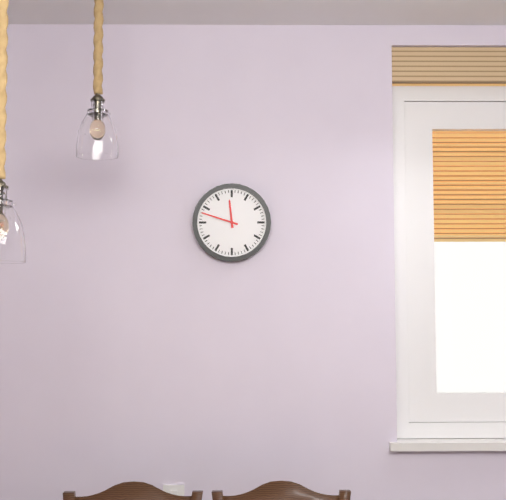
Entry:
11h48
